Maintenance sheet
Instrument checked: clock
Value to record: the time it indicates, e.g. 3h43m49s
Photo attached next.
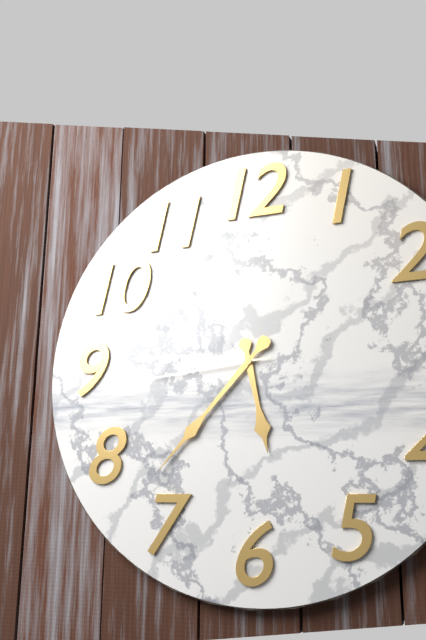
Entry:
5h37m44s
